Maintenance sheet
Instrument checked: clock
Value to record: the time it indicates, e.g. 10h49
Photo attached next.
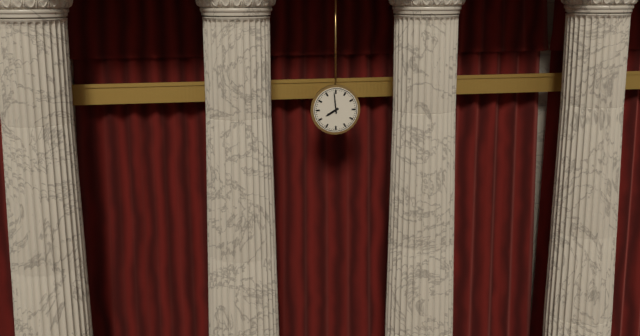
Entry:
7h59
